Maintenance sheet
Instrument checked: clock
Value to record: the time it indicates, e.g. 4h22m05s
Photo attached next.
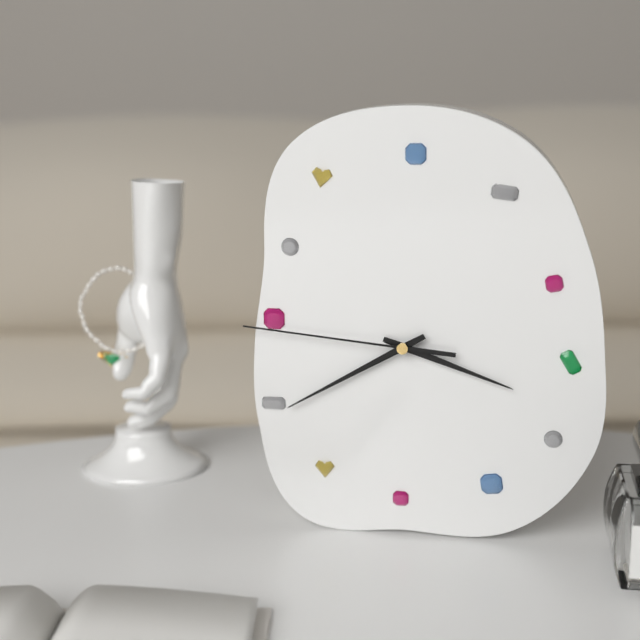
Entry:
3h40m46s
